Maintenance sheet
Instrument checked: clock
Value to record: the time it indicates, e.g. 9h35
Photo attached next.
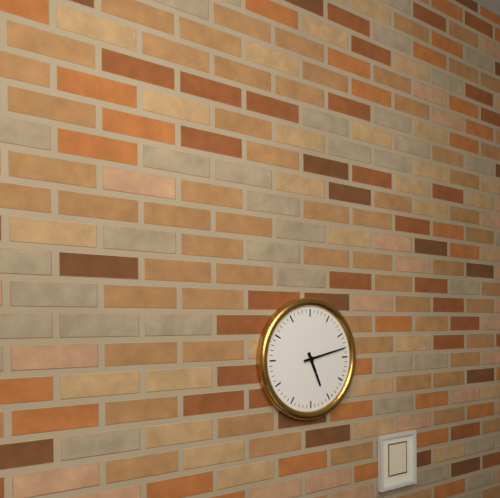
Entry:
5h13
